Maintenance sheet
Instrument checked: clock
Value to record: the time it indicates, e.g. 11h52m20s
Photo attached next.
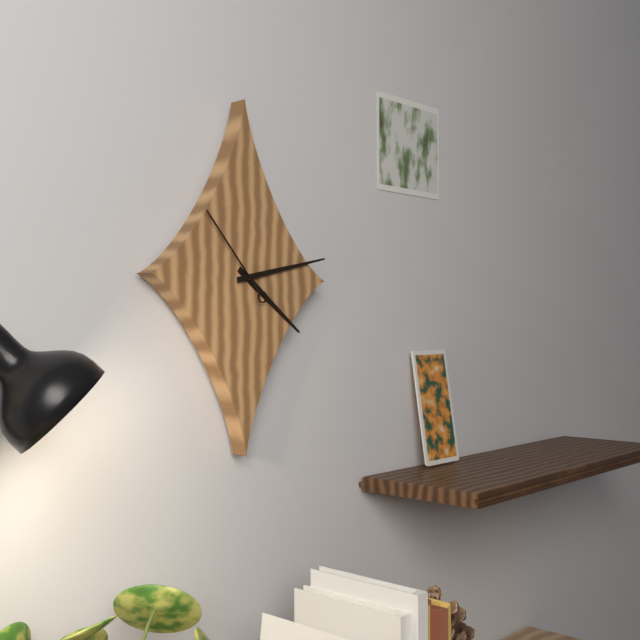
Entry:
4h13m53s
